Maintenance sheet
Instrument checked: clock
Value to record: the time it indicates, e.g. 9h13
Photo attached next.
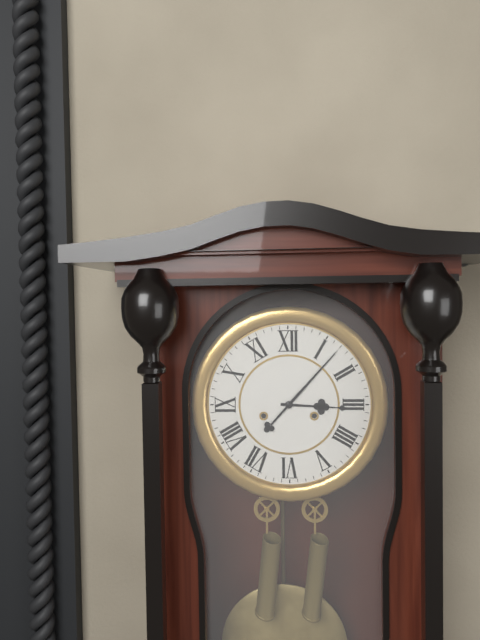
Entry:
3h07
